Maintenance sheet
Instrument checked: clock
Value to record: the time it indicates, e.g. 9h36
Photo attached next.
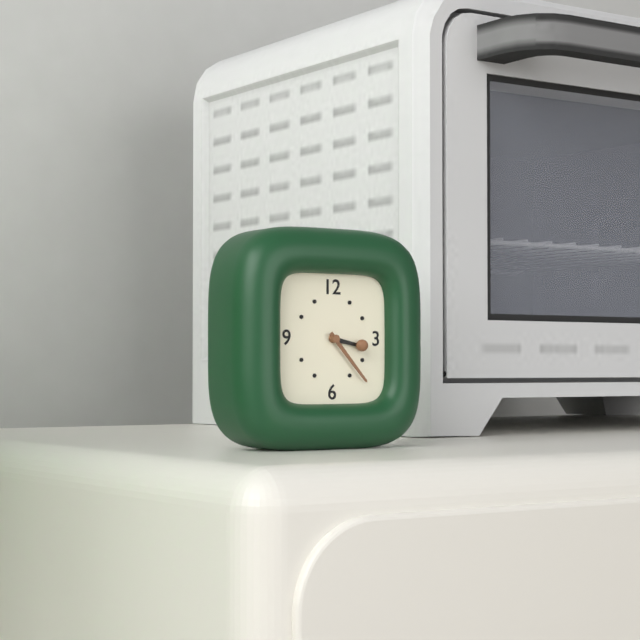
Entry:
3h23
